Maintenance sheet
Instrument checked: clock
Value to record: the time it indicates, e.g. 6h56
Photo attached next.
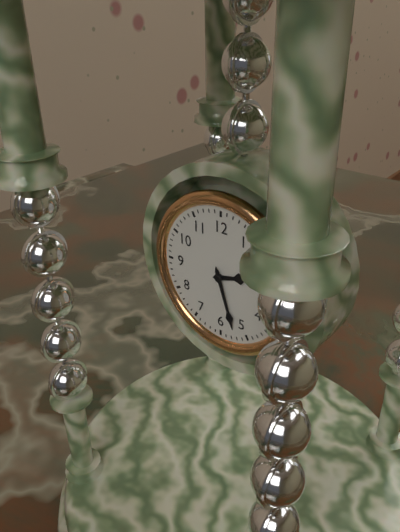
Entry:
2h27
